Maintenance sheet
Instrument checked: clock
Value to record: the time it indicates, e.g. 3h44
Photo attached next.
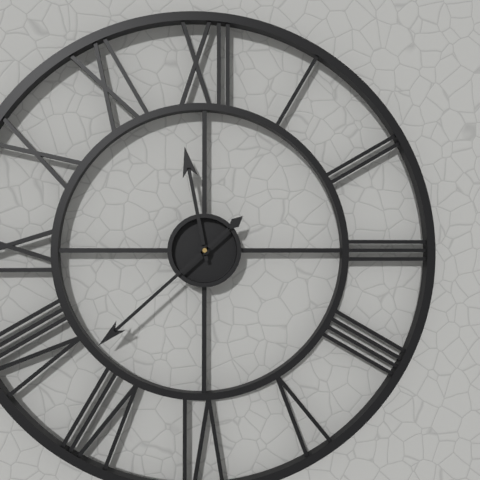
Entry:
11h38
